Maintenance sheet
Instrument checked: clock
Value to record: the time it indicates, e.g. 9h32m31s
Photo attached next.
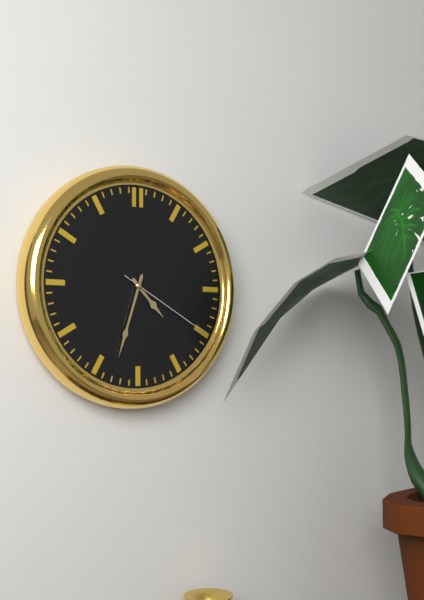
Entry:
4h33m20s
